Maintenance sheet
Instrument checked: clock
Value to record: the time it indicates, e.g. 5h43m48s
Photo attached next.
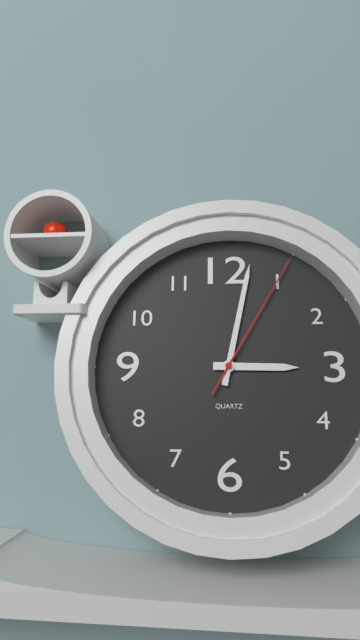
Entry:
3h02m05s
